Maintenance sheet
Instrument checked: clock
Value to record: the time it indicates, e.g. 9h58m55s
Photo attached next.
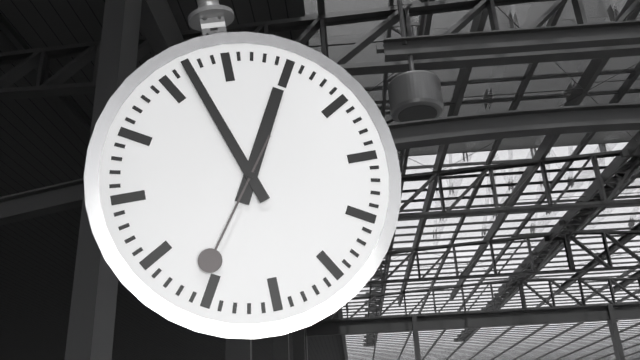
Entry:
12h57m36s
